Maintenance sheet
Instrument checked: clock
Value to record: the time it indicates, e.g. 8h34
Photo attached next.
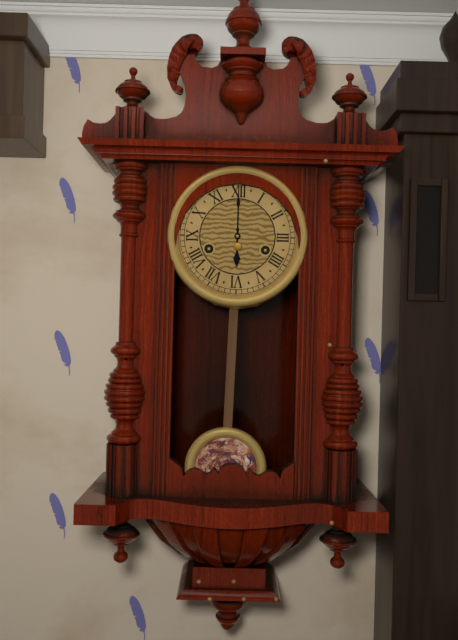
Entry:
6h00
